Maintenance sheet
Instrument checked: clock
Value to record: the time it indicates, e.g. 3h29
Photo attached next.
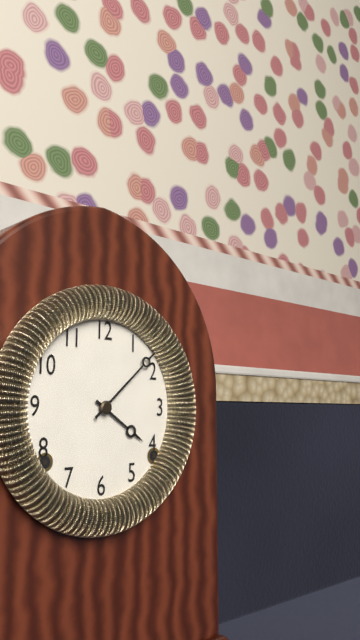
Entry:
4h08
